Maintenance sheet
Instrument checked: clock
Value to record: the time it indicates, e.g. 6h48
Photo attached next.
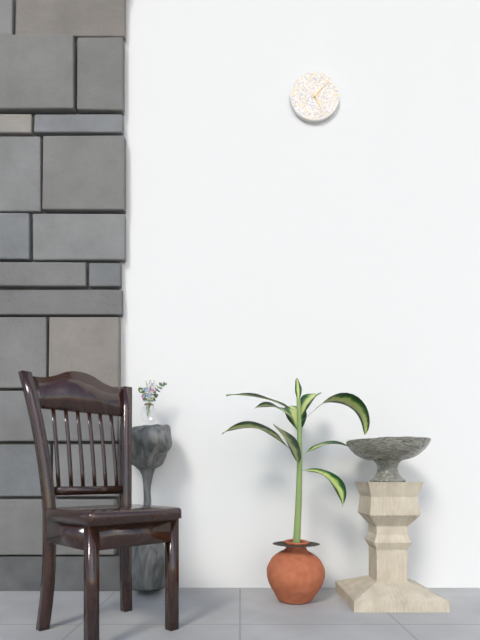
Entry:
5h07
